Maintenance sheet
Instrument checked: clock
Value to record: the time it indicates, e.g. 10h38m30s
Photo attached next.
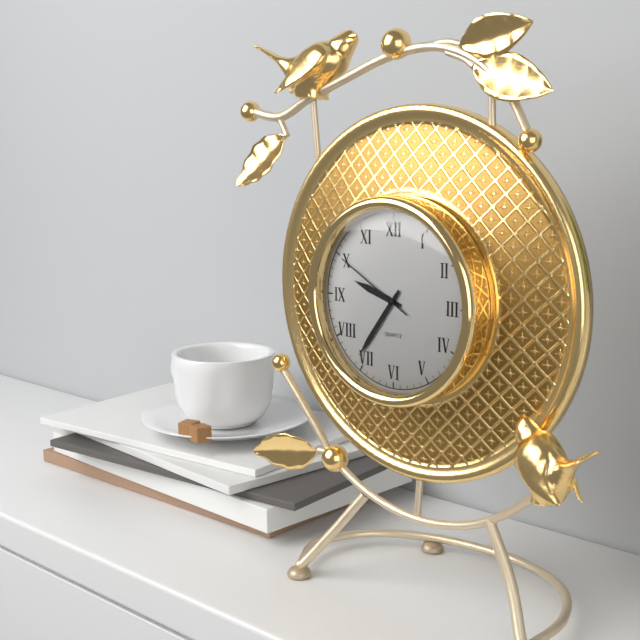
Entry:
9h36m50s
